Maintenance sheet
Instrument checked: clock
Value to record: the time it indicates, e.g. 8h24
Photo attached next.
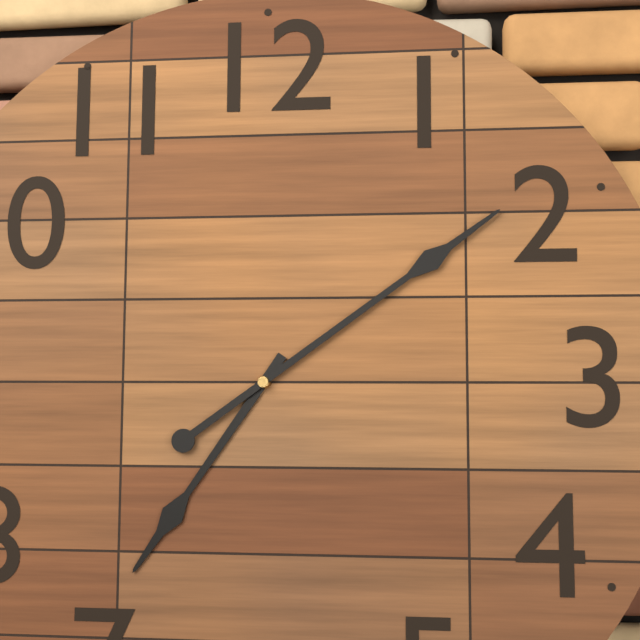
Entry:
7h09
